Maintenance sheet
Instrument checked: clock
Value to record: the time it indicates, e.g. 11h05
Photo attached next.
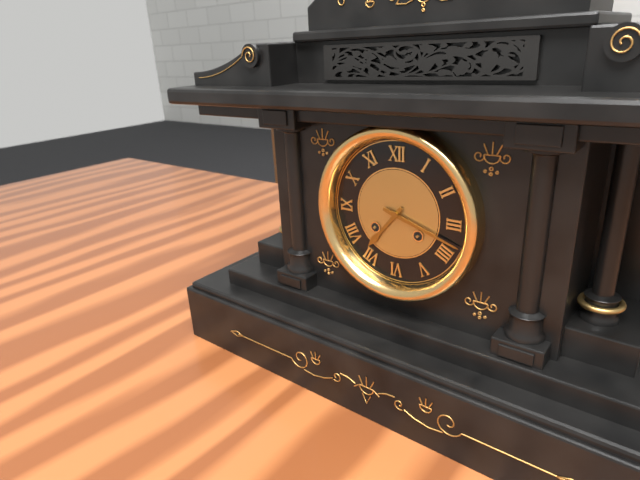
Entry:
7h18
